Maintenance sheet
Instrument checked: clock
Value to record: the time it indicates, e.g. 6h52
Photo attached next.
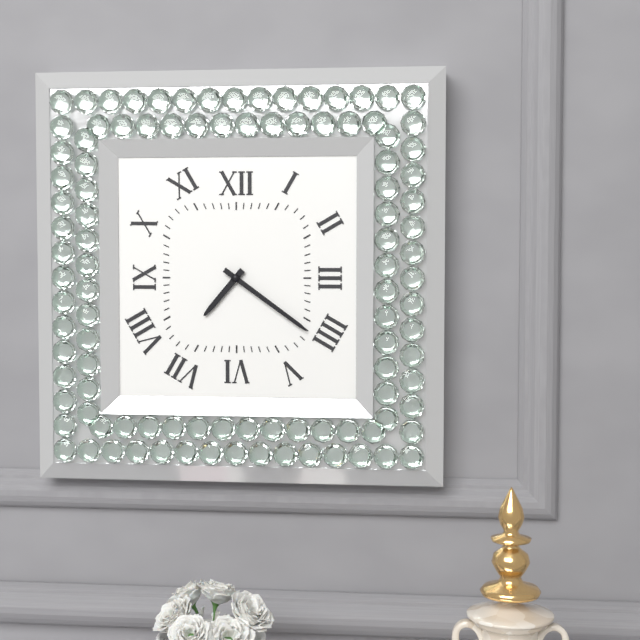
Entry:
7h21
